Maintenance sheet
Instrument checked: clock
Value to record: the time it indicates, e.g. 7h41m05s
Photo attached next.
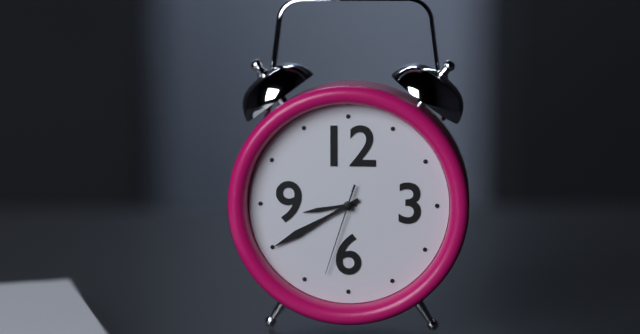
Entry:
8h40m33s
